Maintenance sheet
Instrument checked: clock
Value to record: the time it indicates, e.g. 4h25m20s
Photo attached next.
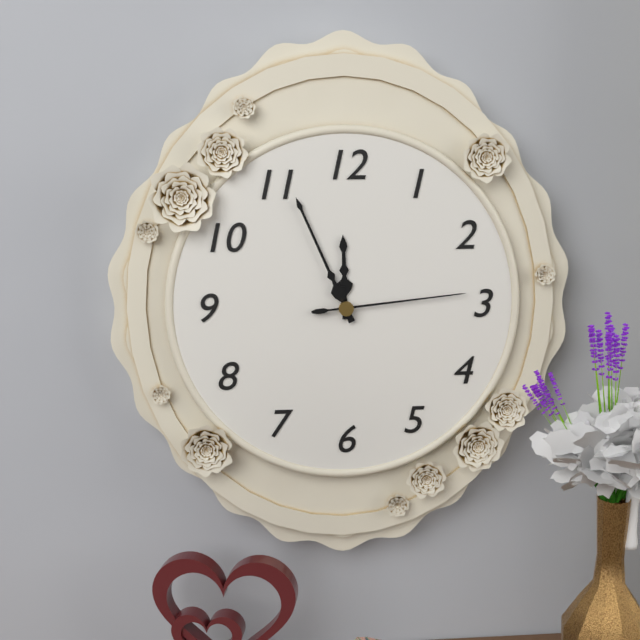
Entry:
11h56m14s
